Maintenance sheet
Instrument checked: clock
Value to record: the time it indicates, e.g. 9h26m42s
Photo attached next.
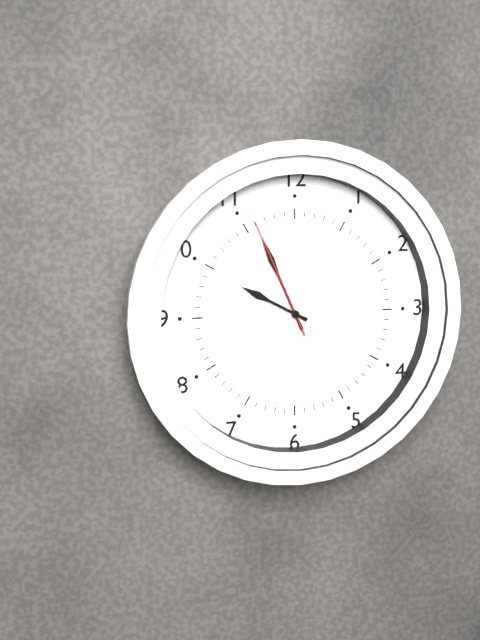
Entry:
9h56m56s
